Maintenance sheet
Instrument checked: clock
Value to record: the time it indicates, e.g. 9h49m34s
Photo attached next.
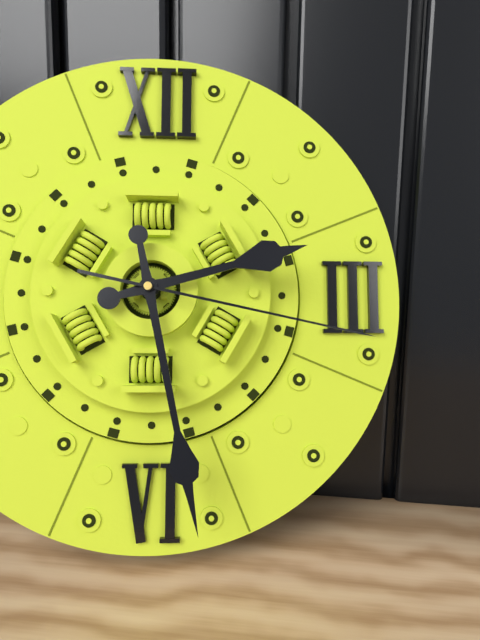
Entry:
2h28m17s
